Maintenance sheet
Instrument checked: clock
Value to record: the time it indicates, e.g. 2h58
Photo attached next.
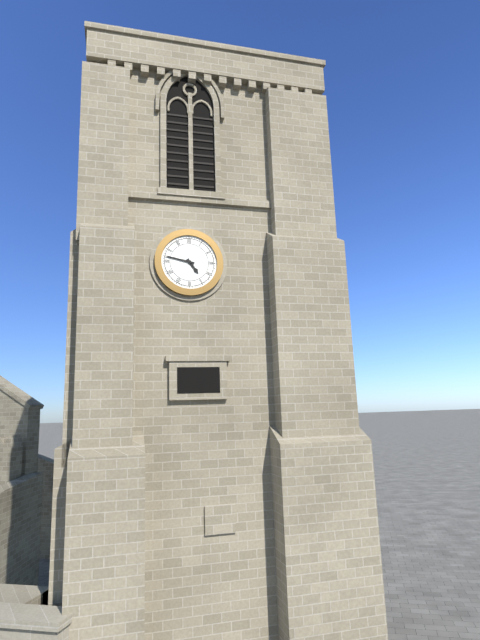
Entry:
4h47
